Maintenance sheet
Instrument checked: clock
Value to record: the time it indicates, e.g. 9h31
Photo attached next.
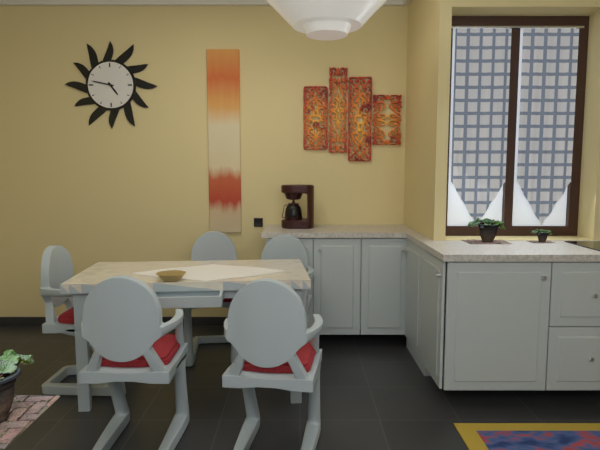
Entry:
4h47
